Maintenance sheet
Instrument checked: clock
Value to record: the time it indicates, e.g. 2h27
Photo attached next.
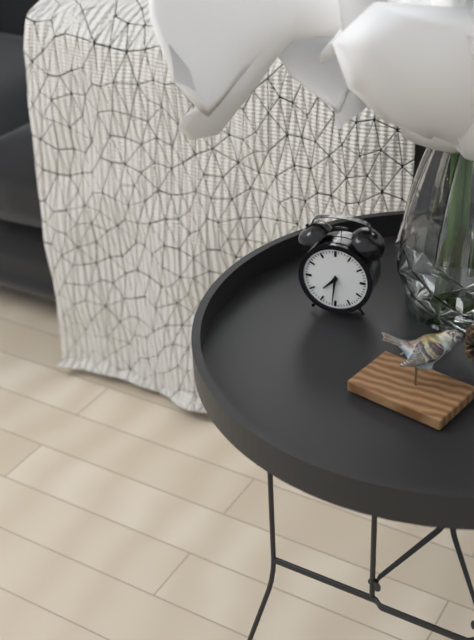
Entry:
7h31
